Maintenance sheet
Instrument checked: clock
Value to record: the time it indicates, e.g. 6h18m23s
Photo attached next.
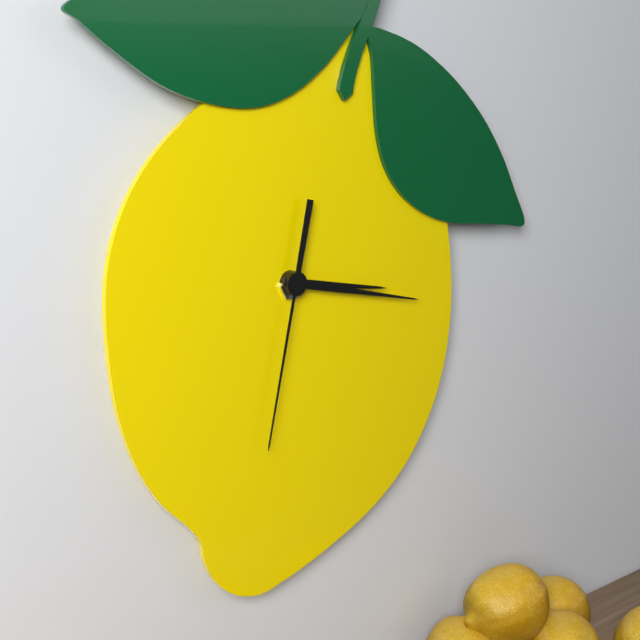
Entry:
3h17m32s
